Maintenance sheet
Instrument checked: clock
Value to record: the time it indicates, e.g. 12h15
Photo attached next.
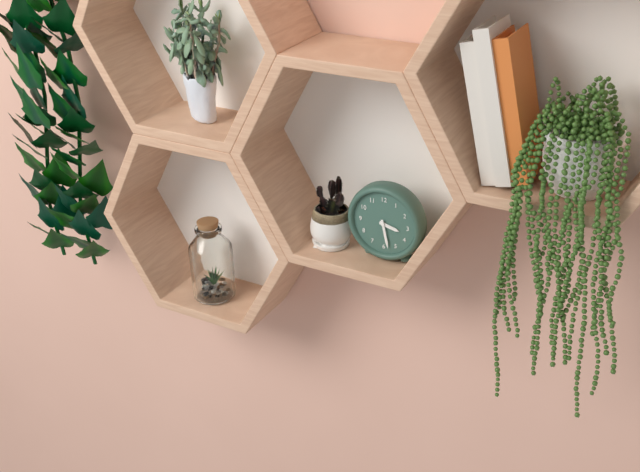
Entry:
3h28
